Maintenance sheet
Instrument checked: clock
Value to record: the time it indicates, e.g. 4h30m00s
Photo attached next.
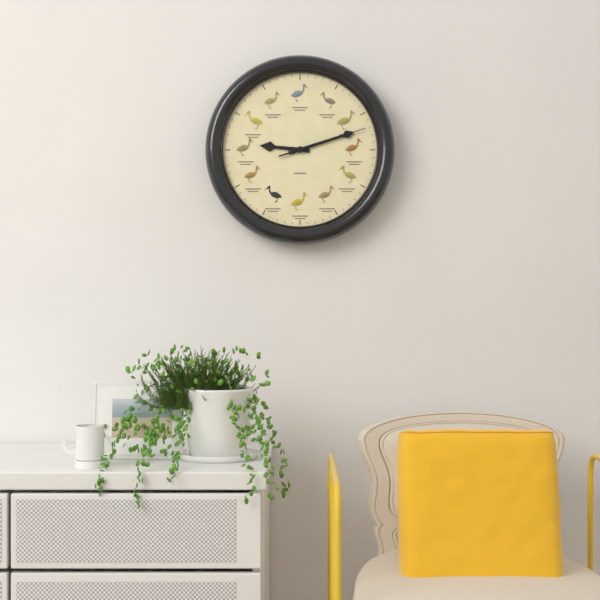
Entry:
9h12m12s
